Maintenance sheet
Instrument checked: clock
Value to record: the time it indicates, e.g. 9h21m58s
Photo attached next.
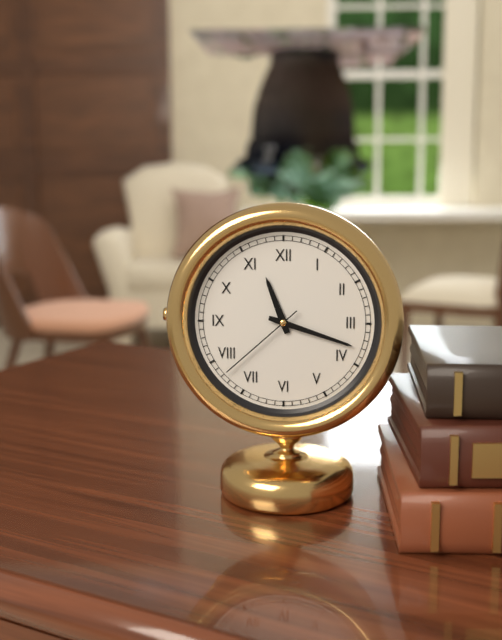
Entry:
11h18m38s
